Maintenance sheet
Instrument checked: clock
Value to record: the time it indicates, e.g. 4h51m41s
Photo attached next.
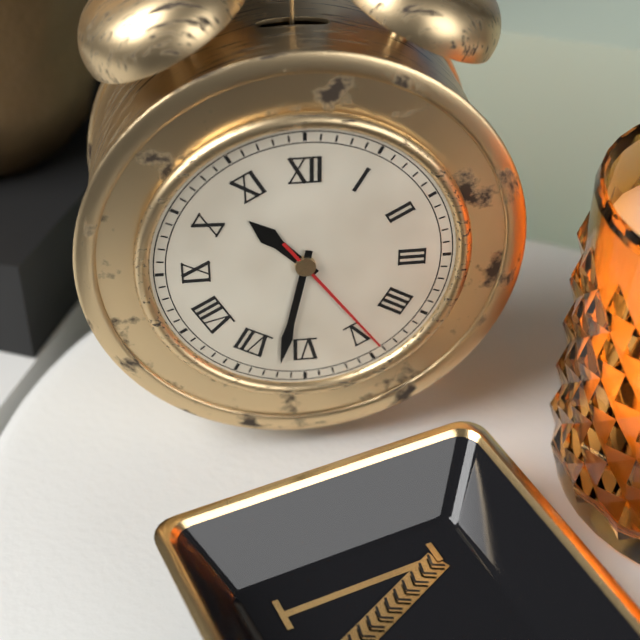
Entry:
10h32m24s
